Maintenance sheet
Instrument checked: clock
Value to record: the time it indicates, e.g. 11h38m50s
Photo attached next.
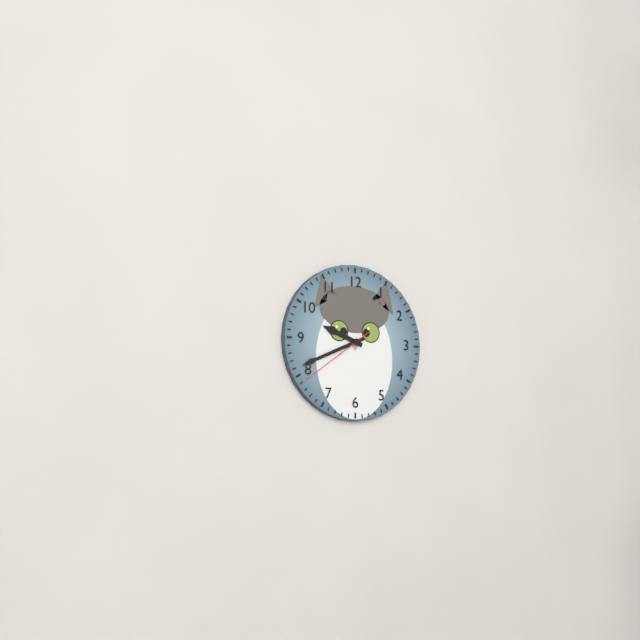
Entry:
9h41m39s
